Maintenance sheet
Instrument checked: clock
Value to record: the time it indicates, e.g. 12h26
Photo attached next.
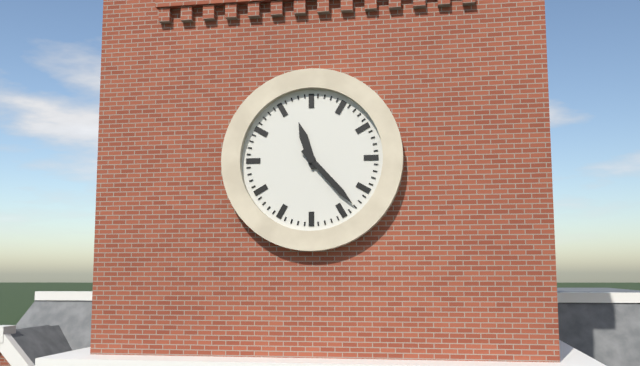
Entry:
11h23
